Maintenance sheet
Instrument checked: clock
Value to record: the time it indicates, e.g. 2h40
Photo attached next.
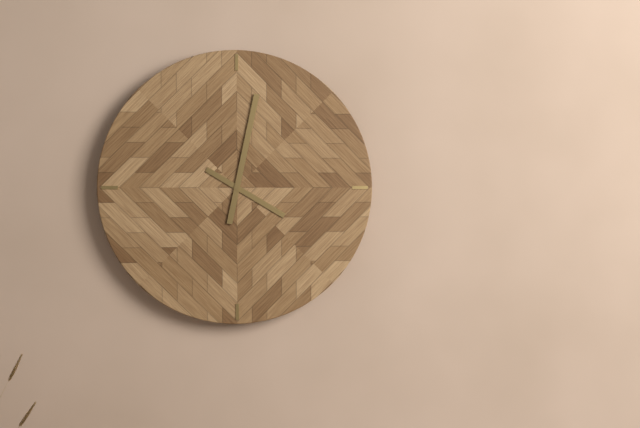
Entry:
4h02
